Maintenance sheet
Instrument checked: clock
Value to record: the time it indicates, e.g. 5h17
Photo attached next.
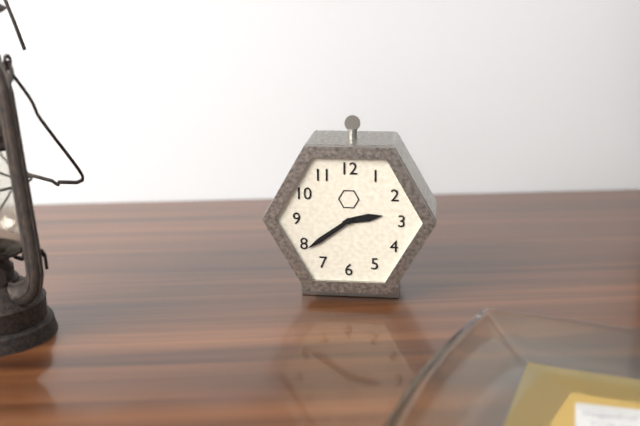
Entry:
2h39
